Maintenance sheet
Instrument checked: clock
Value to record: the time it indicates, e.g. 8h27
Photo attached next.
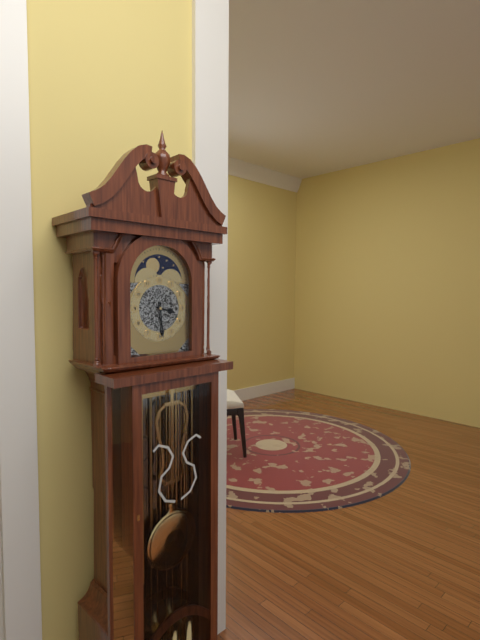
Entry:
3h29
